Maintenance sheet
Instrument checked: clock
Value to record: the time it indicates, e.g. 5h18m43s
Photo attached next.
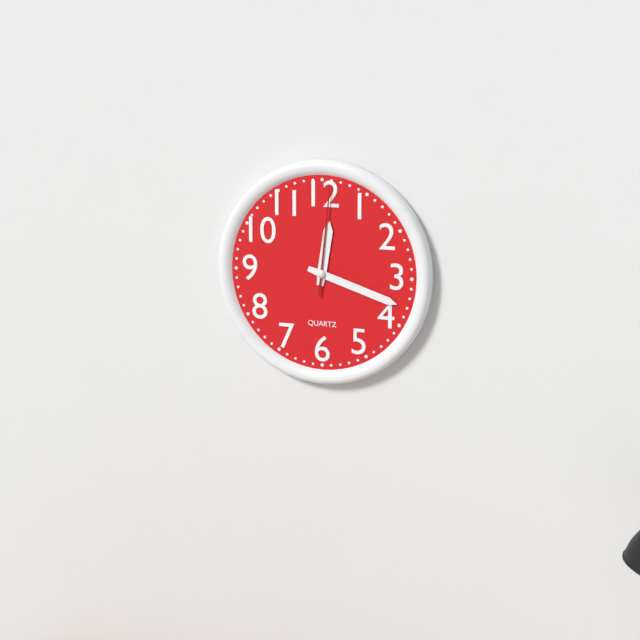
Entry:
12h18m01s
